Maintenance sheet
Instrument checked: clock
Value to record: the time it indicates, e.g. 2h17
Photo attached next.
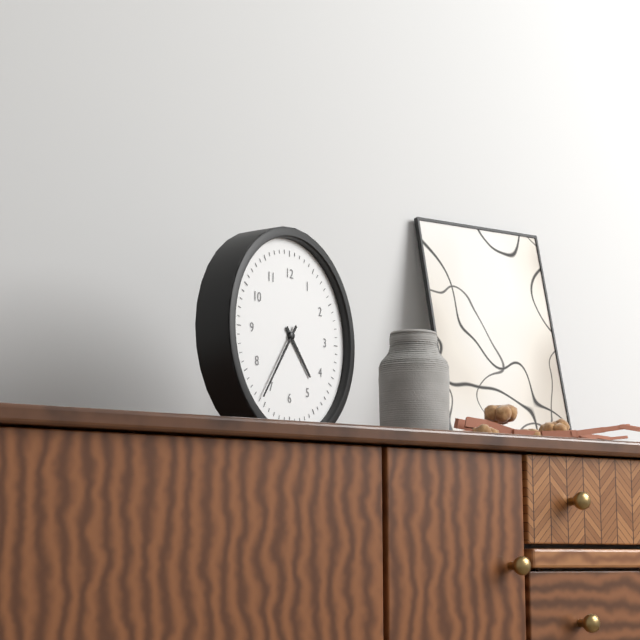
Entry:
4h36
